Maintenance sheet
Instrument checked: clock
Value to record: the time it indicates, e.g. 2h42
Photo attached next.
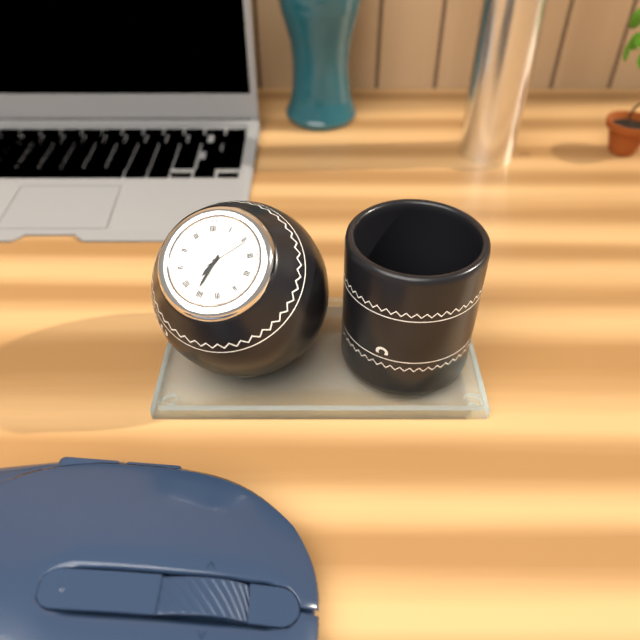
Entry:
7h36
